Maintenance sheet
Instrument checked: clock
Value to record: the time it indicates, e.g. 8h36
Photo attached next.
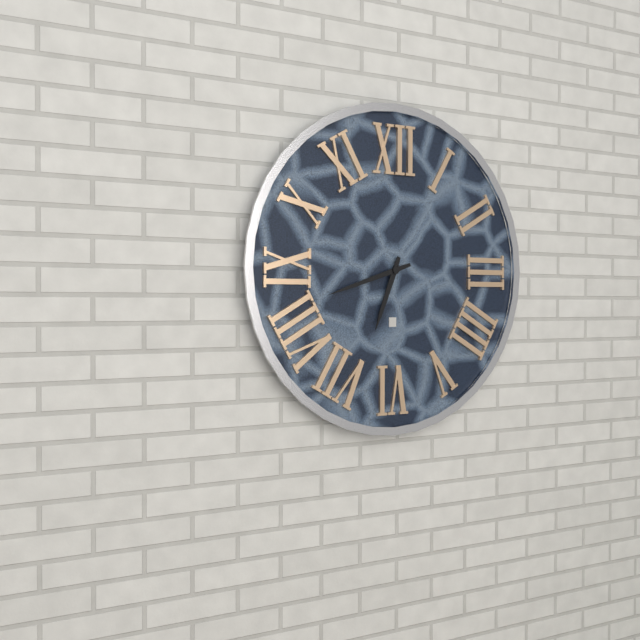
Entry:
6h42
